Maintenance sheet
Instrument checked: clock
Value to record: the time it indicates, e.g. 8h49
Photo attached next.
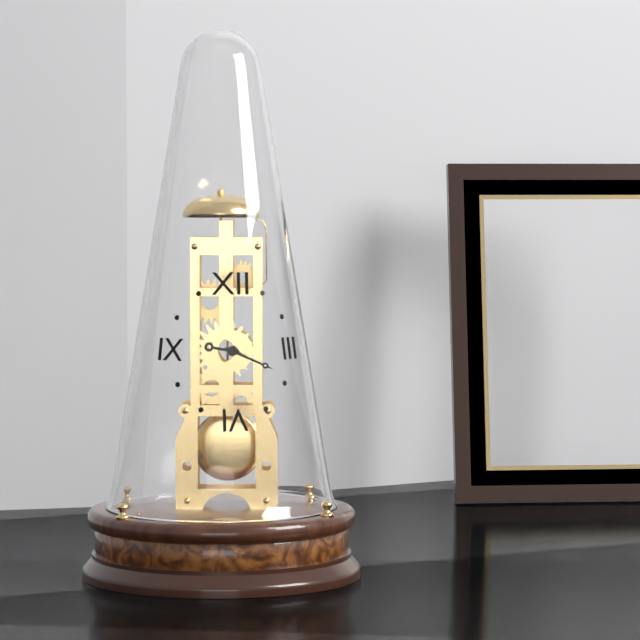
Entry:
9h19
